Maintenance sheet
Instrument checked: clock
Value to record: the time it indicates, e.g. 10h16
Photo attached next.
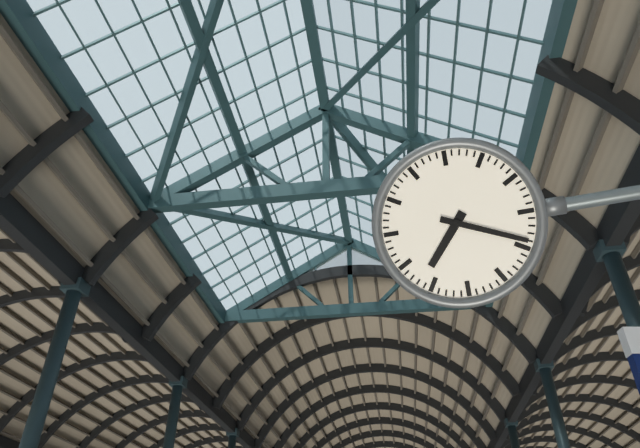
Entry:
7h19
